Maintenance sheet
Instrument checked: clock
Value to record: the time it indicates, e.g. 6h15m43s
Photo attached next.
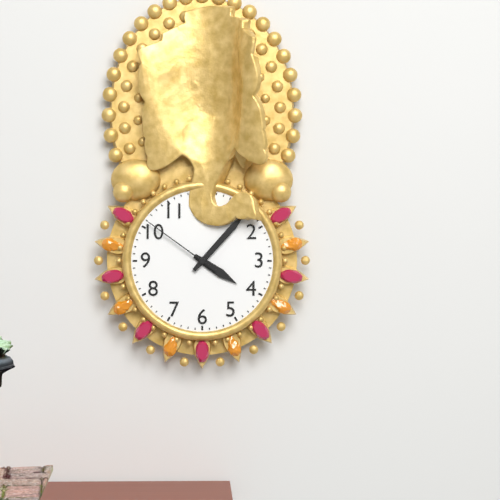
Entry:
4h07m51s
